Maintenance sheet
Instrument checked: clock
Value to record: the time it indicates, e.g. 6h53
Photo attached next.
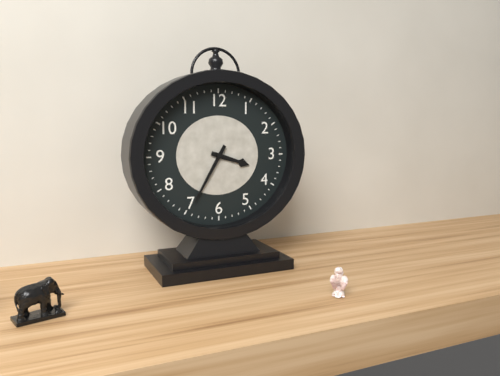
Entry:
3h35
